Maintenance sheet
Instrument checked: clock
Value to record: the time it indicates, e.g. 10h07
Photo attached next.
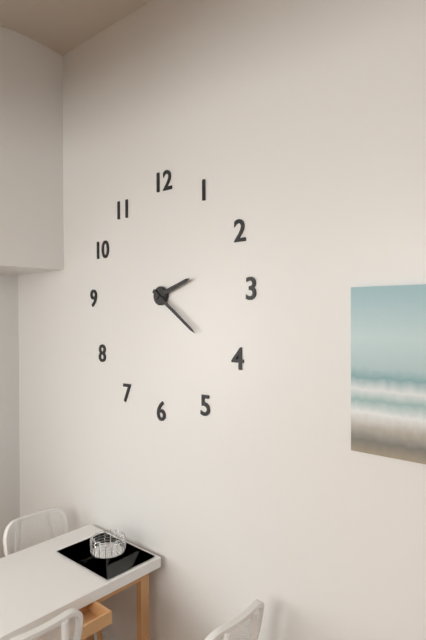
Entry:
2h21
